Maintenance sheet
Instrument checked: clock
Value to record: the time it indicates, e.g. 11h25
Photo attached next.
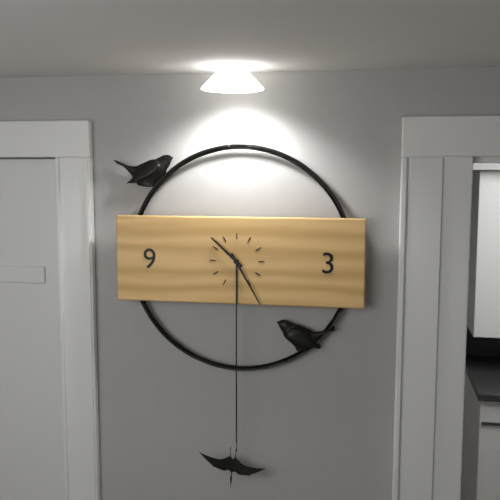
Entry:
10h25
